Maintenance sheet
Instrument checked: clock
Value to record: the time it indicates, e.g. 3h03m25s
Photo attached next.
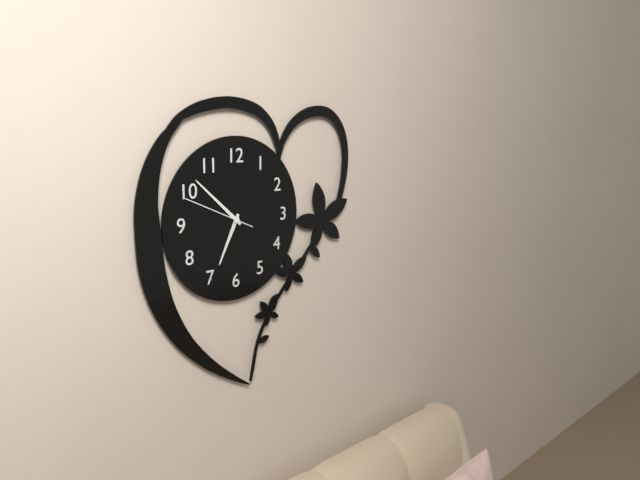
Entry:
6h52m49s
